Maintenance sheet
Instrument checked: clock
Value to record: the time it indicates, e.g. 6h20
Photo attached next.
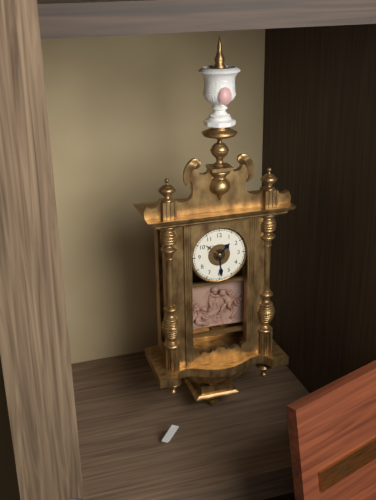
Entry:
1h29
